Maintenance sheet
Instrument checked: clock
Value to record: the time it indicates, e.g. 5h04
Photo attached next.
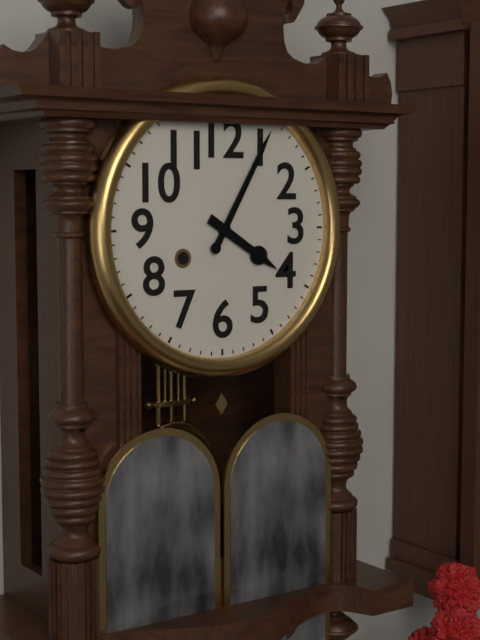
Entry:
4h05
